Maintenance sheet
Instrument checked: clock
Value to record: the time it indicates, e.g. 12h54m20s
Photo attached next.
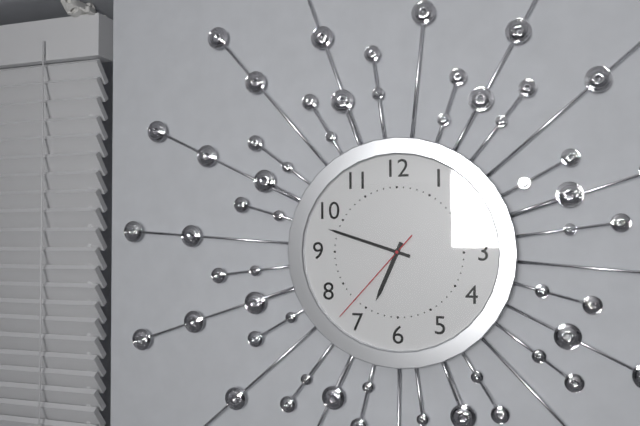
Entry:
6h48m37s
